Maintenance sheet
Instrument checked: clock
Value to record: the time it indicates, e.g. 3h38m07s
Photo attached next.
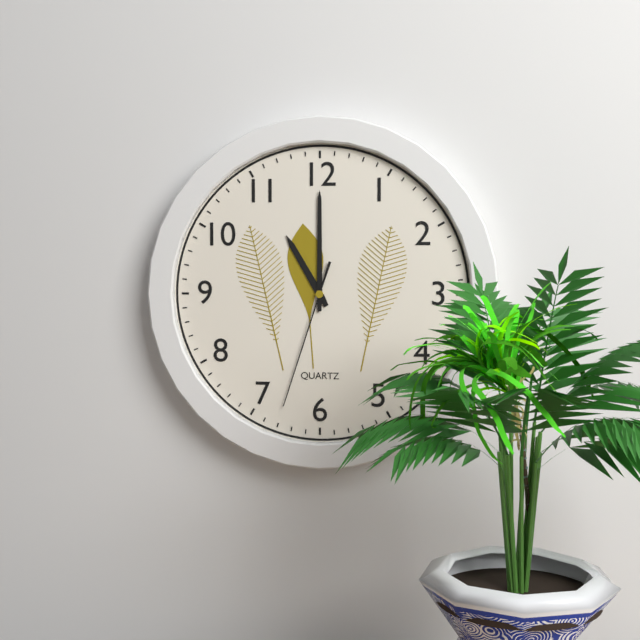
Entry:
11h00m33s
